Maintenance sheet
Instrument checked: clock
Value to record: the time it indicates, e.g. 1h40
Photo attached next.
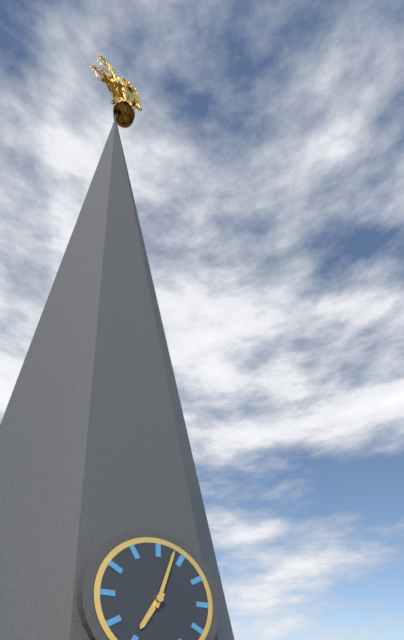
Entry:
7h03
